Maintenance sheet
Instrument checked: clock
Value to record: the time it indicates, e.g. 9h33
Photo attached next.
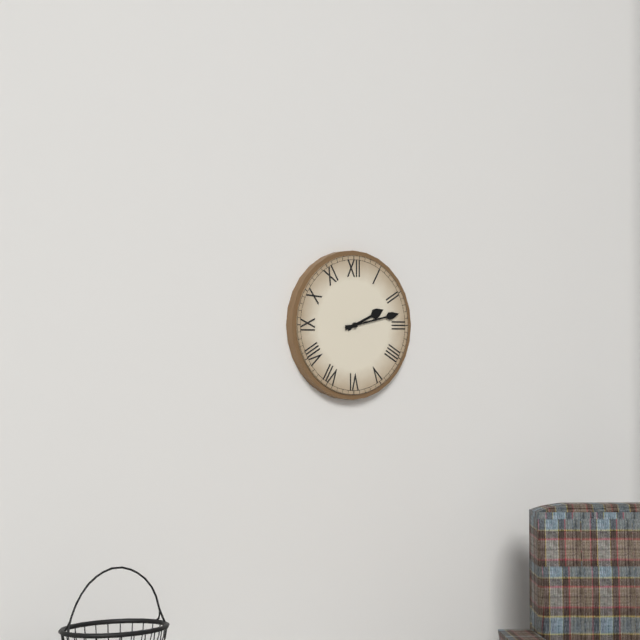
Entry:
2h13
